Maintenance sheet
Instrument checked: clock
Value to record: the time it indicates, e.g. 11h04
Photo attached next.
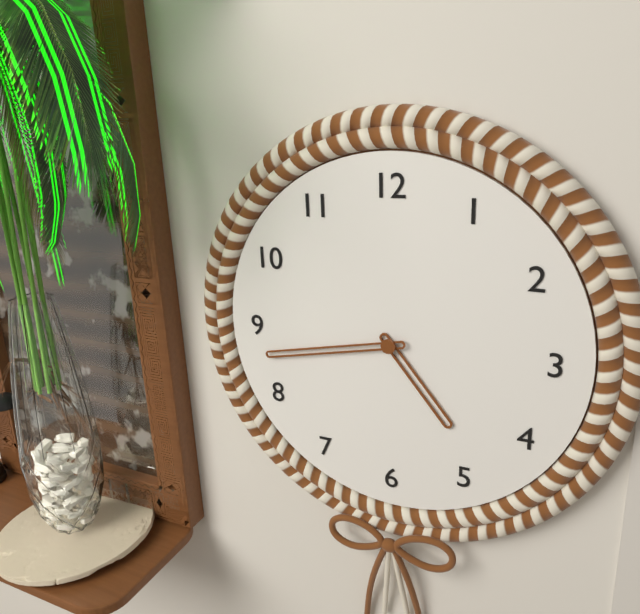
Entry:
4h43
